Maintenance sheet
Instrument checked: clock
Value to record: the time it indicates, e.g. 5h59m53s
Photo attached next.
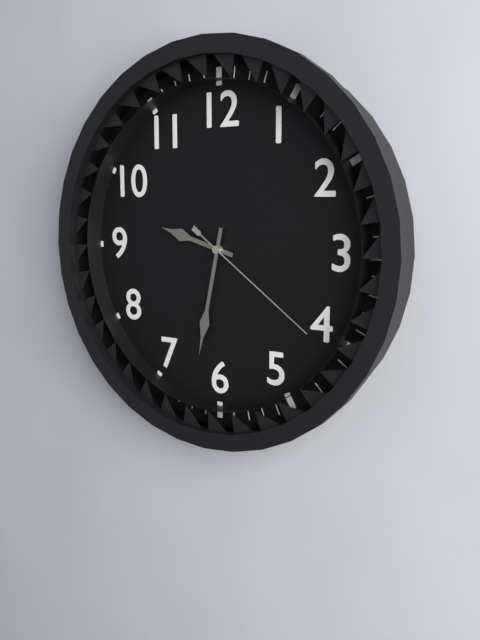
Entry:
9h32m21s
